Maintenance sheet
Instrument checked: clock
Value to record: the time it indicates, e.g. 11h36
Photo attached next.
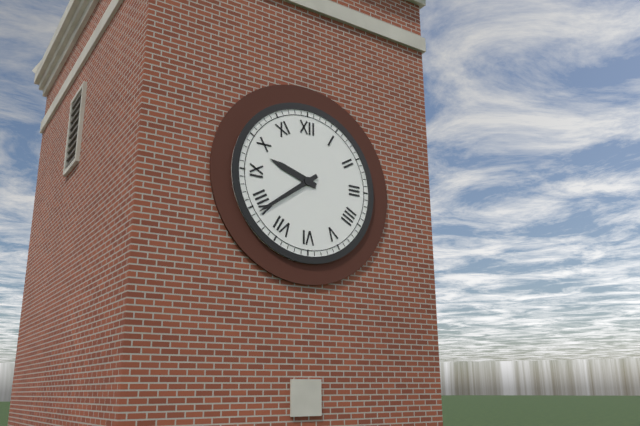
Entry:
9h39
